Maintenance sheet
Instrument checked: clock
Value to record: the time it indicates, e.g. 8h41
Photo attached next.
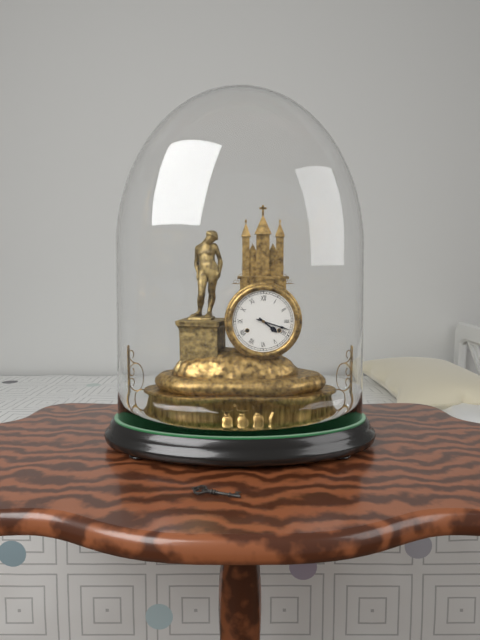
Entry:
4h18
